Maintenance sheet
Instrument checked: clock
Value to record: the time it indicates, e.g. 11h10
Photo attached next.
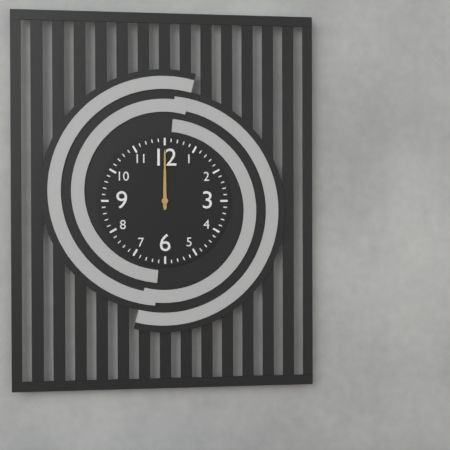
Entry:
12h00
